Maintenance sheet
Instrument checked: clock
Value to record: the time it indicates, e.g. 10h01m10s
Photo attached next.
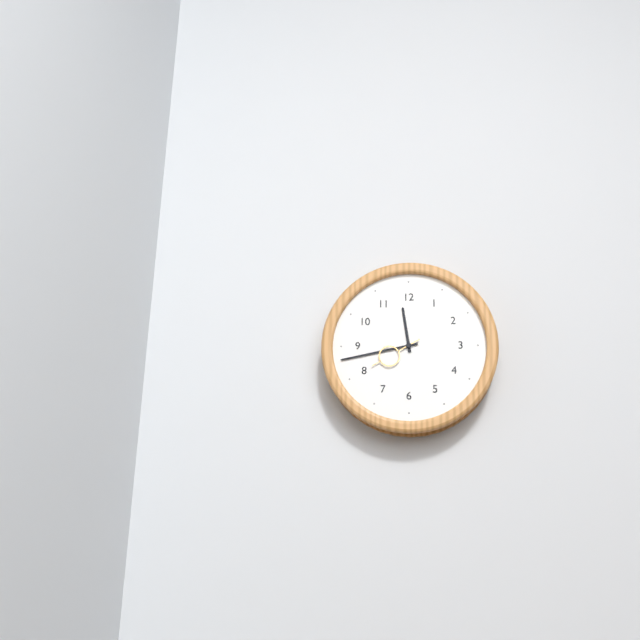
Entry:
11h43m40s
